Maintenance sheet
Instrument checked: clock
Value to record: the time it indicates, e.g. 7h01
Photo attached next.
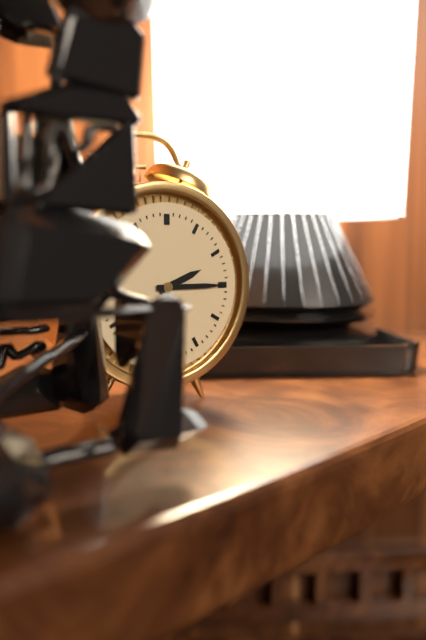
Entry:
2h15
